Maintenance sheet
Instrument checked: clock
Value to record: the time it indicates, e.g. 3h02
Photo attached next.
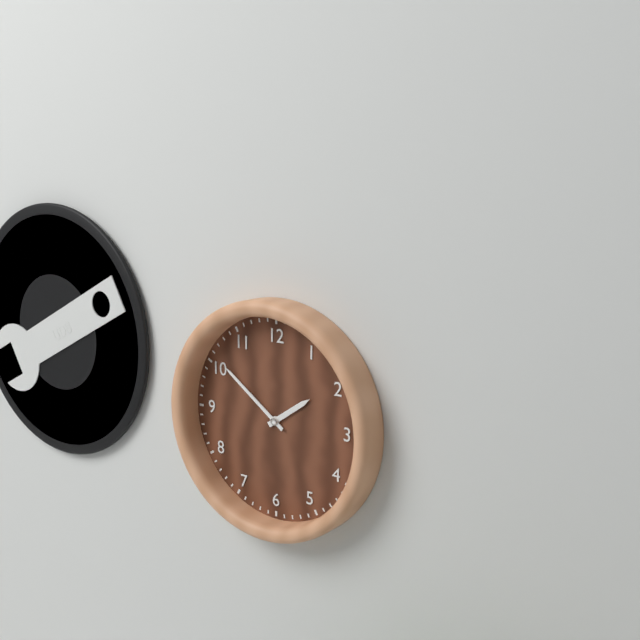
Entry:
1h51
